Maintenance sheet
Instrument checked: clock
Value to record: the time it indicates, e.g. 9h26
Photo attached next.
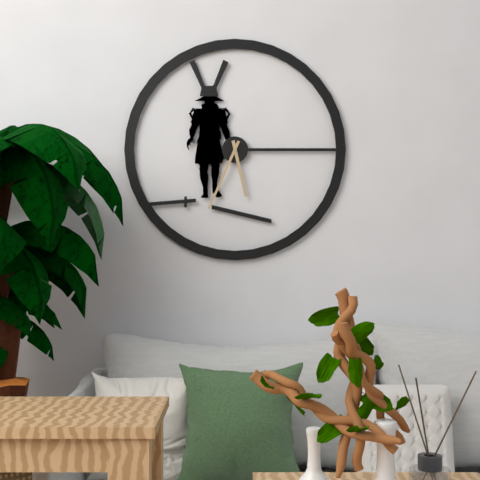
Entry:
5h34
